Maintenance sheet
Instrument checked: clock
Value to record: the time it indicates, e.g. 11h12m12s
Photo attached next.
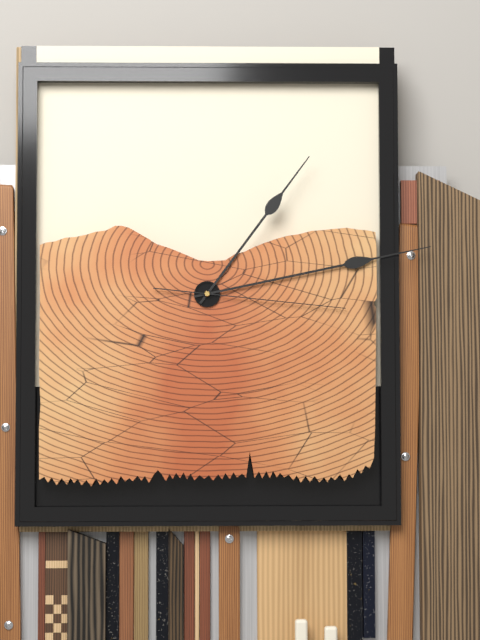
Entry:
1h13m16s
